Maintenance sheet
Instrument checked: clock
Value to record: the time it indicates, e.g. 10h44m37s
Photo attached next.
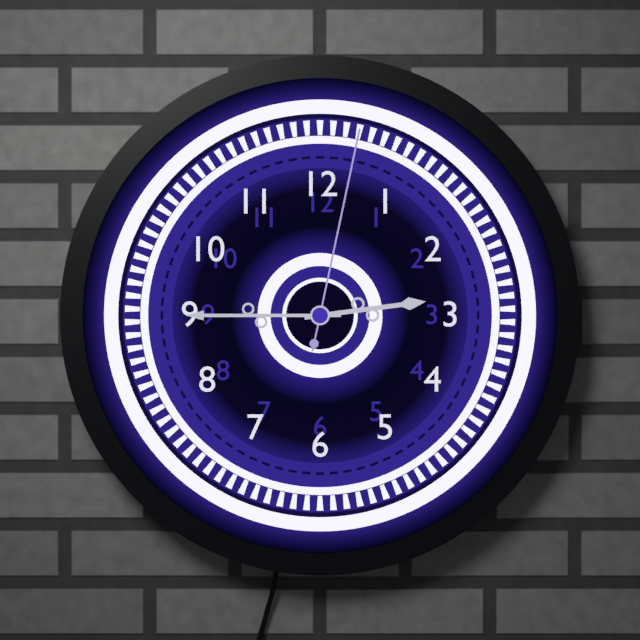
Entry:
2h45m02s
